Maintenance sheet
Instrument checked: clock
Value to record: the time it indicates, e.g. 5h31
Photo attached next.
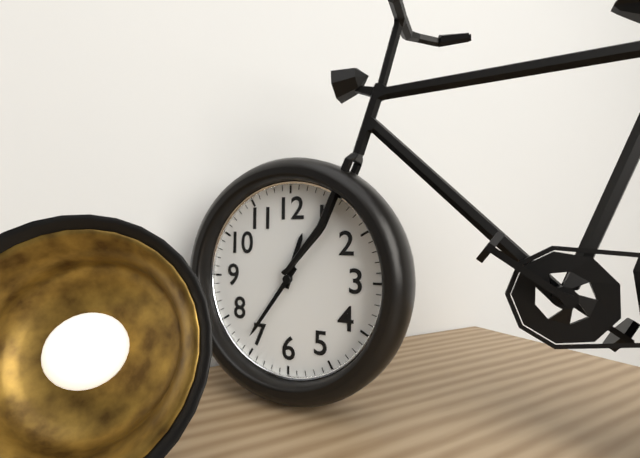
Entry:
12h36
